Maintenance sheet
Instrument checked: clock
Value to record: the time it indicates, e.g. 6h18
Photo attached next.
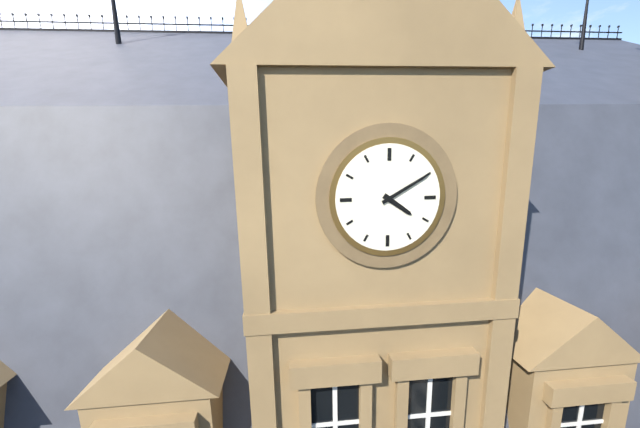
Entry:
4h10
